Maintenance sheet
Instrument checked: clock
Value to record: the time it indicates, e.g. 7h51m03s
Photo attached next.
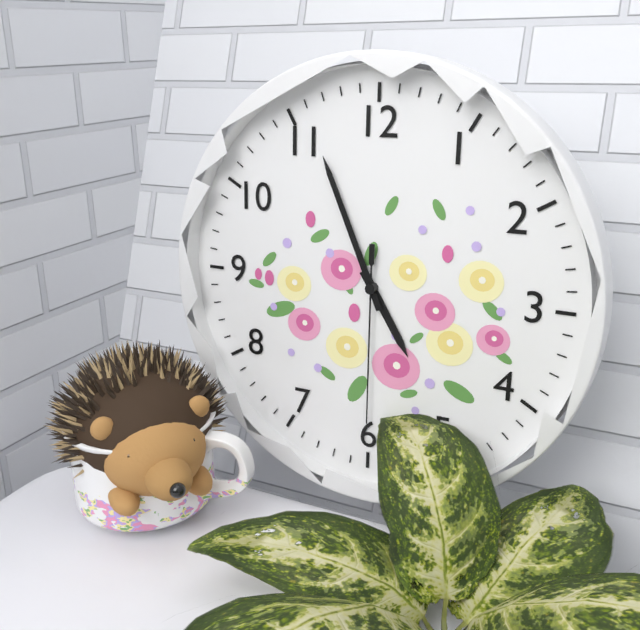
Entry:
4h56m30s
